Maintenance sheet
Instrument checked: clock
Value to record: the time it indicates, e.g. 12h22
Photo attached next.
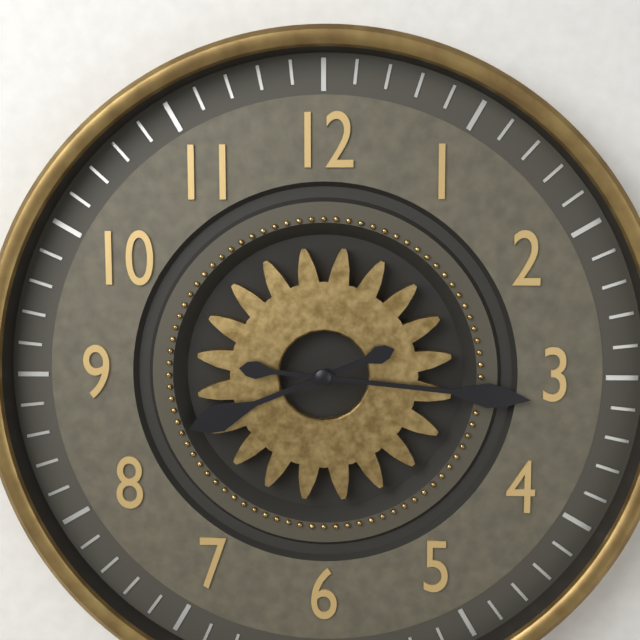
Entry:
8h16
